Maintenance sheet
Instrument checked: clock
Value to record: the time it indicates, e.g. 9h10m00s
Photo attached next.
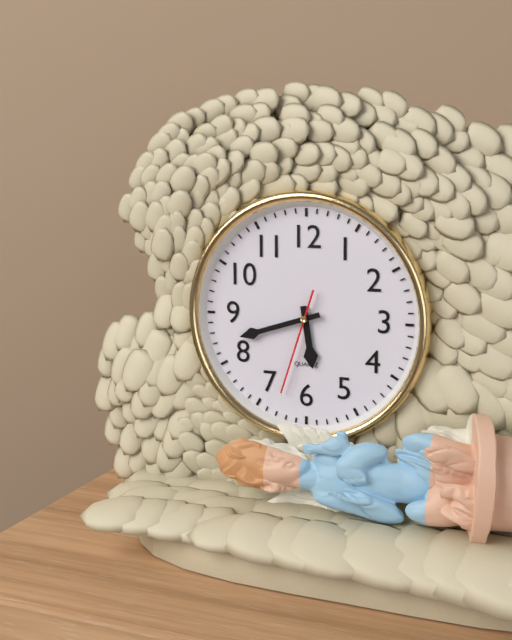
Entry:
5h42m33s
